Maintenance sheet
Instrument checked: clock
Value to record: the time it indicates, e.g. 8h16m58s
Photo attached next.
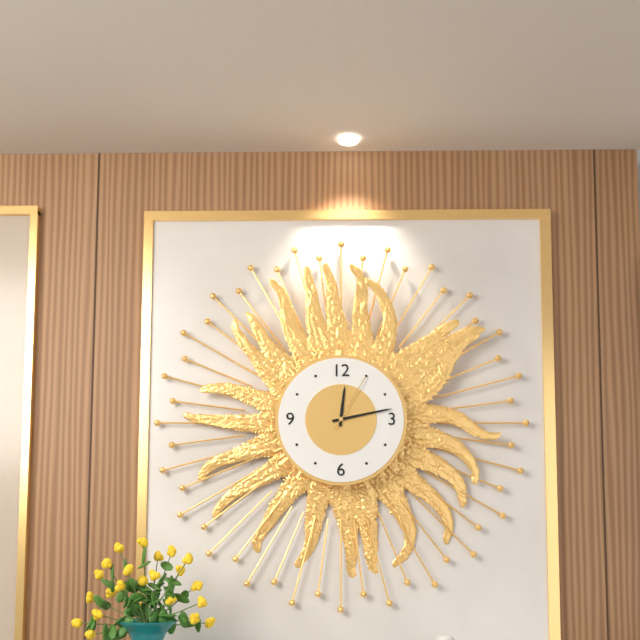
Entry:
12h13m05s
